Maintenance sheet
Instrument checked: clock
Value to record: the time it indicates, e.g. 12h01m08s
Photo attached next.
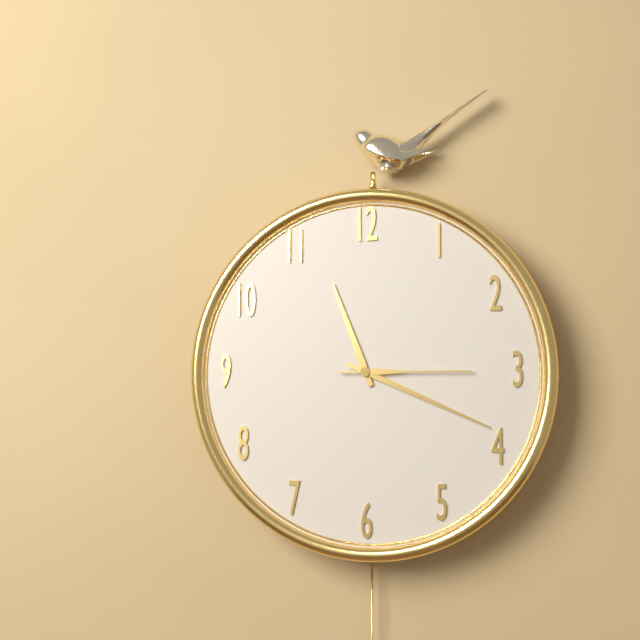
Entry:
11h19m15s
